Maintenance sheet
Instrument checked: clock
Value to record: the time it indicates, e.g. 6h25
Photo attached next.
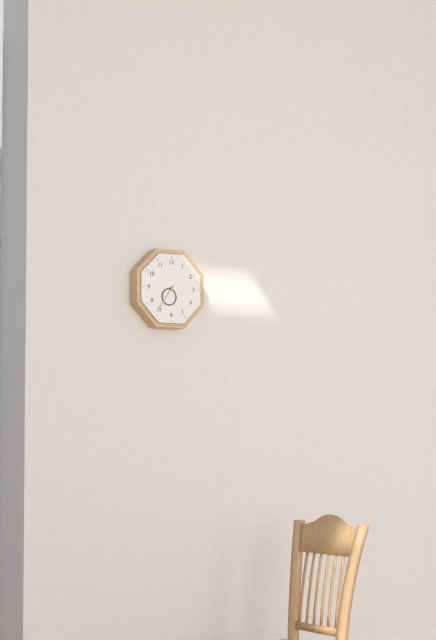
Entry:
6h36
